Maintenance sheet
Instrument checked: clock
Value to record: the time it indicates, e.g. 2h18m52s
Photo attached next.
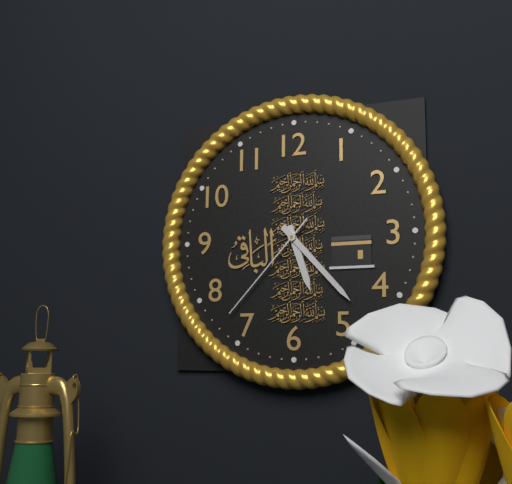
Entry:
5h23m37s
